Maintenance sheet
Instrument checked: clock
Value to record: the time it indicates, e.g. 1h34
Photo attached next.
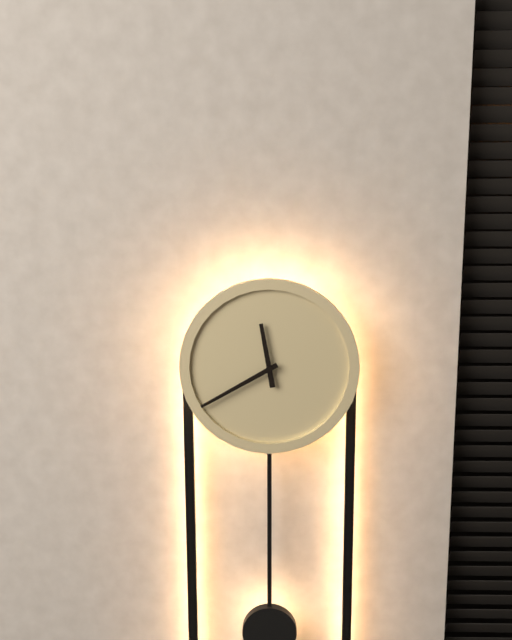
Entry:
11h40
